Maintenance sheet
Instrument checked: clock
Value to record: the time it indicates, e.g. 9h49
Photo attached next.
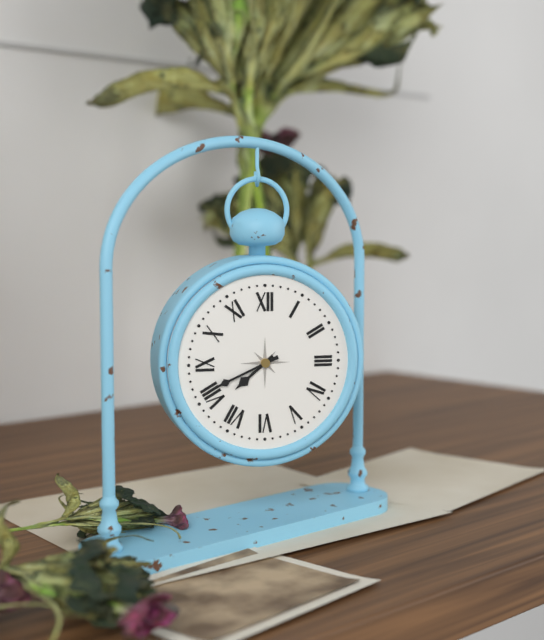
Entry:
7h41
